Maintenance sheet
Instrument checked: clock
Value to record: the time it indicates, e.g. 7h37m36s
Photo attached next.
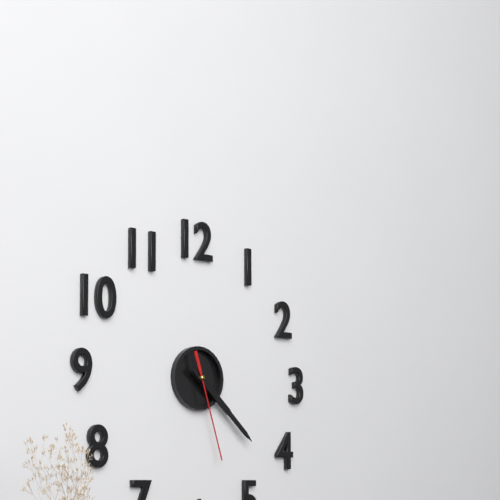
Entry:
4h22m27s
